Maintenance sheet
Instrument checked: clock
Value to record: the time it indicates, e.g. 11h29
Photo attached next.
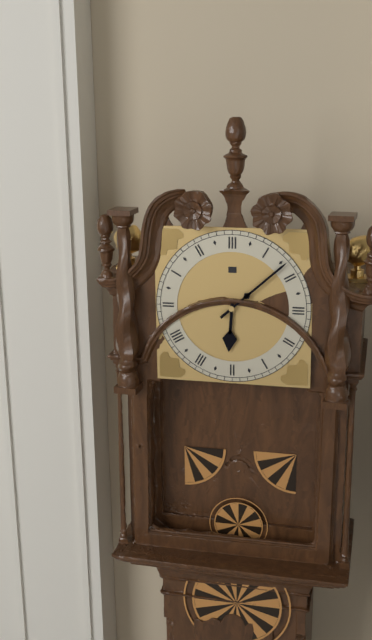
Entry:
6h08
